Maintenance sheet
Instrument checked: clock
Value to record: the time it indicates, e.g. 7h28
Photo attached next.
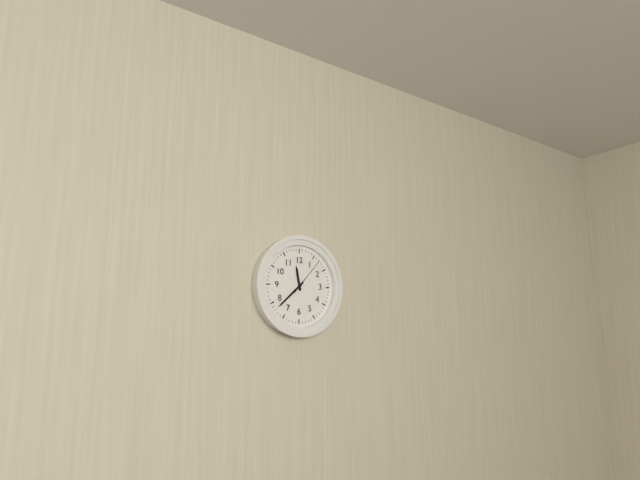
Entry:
11h38
